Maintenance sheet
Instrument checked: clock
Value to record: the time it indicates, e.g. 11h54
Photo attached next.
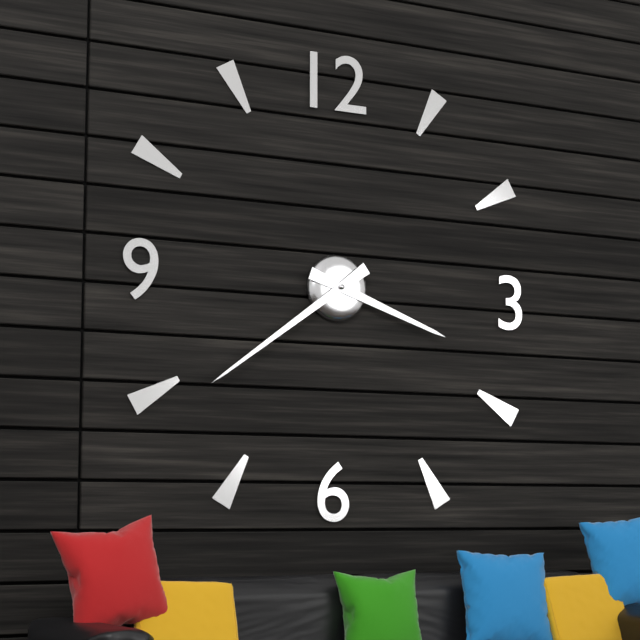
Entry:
3h39
